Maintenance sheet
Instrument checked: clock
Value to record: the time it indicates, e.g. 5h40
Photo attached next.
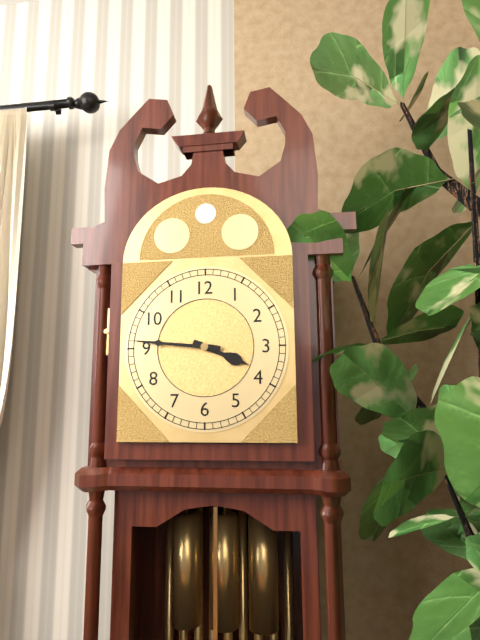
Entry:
3h46
